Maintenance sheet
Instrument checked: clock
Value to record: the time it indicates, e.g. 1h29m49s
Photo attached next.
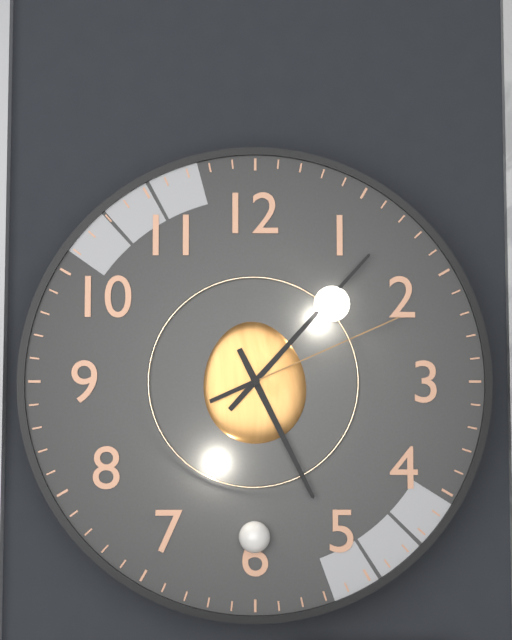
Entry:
5h07m11s
